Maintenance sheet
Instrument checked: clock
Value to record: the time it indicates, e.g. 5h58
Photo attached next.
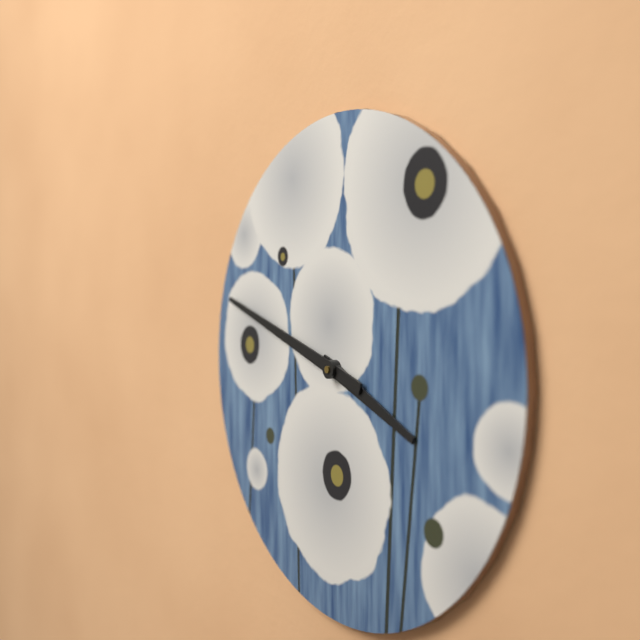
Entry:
3h48
